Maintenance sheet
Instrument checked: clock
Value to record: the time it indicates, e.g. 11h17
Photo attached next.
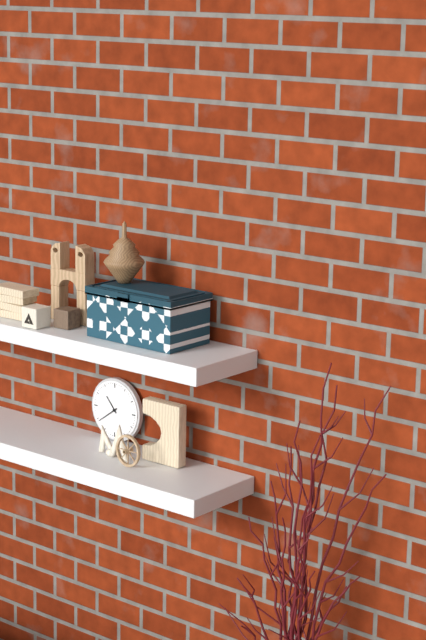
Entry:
10h39
